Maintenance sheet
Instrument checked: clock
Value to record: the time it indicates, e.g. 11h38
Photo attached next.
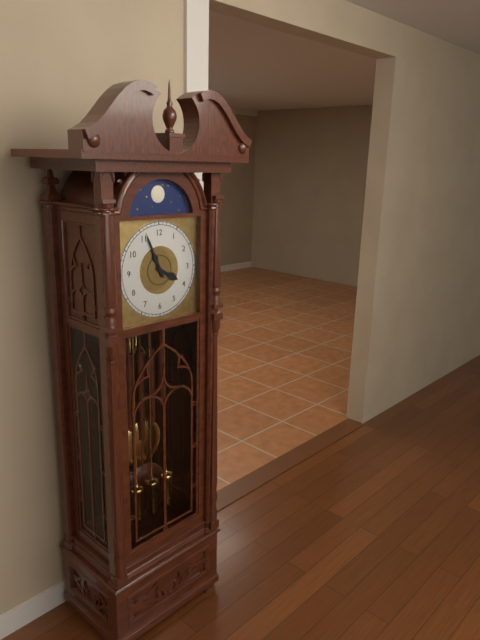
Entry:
3h56
